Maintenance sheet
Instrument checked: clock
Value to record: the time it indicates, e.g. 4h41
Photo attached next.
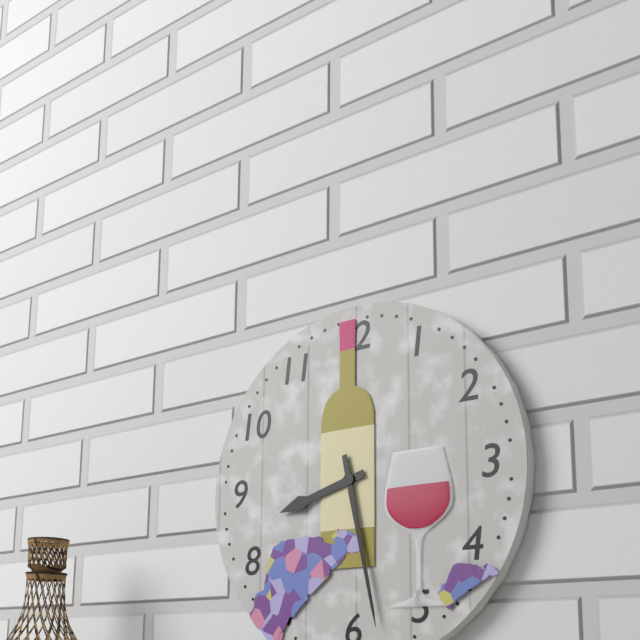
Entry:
8h28
